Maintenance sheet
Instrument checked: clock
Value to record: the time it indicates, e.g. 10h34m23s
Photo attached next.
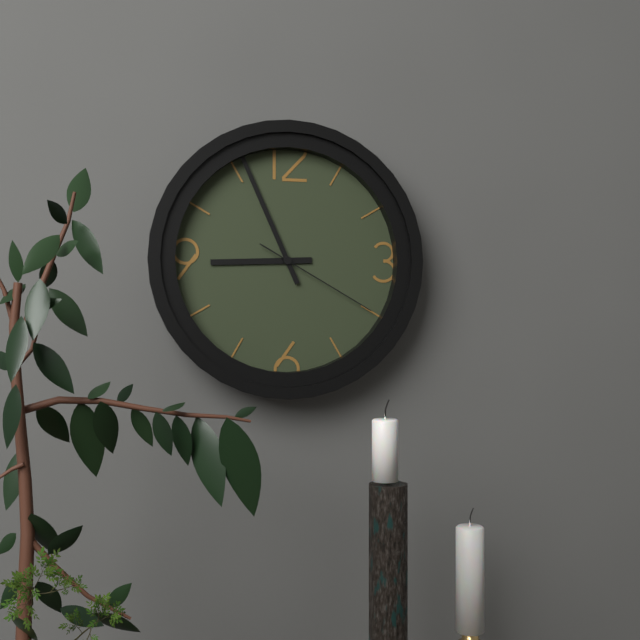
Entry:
8h56m20s
